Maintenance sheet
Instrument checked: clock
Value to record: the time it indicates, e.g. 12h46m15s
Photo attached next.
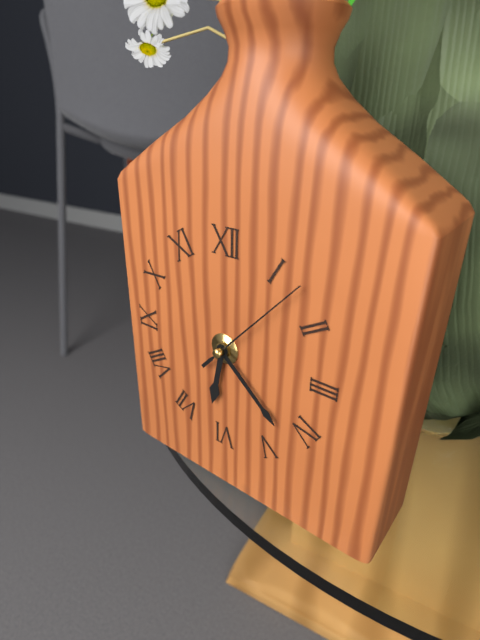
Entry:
6h22m07s
